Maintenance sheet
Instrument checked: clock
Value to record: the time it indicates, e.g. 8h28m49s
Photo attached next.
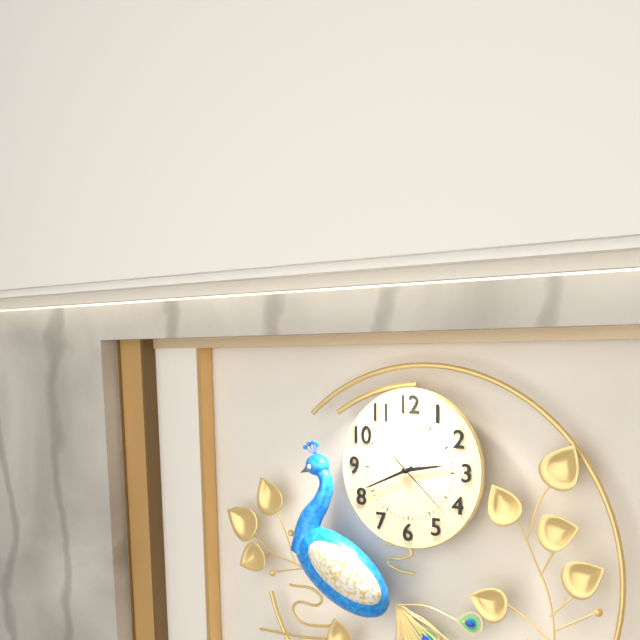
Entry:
2h41m22s
